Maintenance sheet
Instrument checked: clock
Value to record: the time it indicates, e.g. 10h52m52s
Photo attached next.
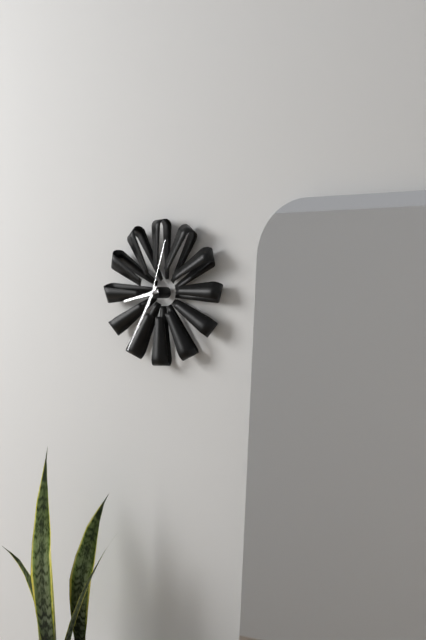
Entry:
8h35m03s
